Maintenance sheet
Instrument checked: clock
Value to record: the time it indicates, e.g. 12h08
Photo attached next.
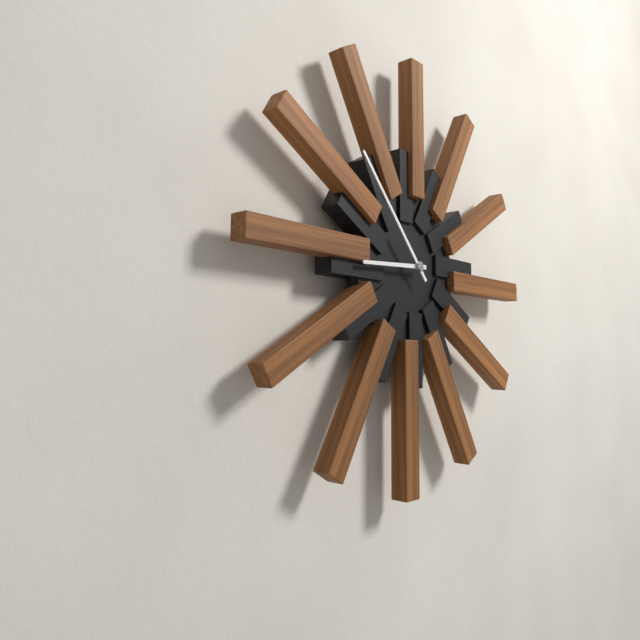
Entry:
8h53
